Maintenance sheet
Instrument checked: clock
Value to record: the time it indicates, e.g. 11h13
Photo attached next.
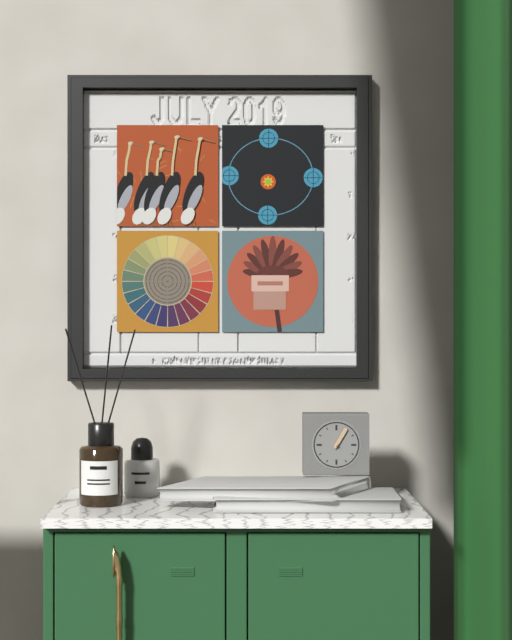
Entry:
1h05
